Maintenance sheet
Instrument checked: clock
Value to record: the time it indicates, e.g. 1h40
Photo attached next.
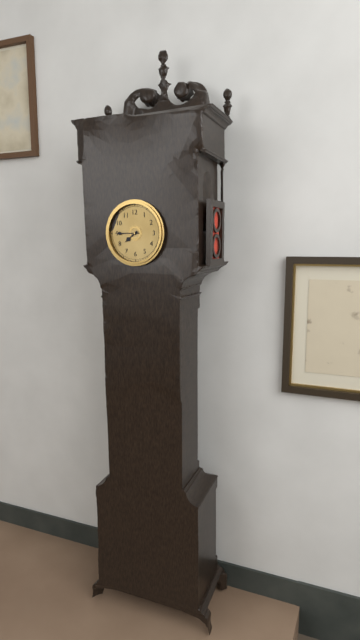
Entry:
7h45
